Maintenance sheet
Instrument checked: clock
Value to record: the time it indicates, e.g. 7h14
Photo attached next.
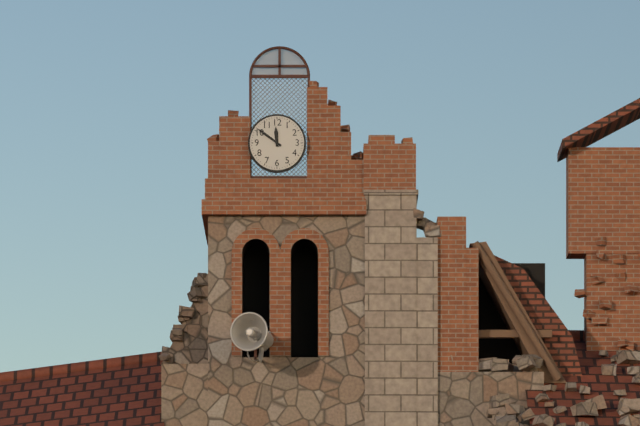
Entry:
11h51
